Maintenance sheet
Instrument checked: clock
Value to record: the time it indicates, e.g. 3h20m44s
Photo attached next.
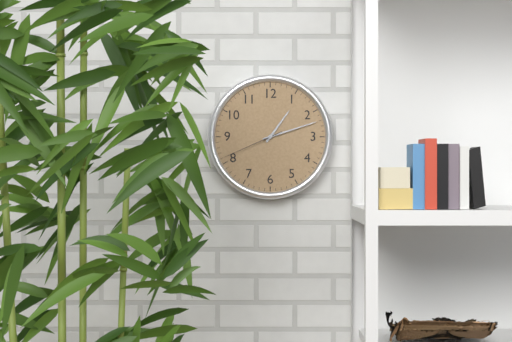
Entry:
1h12m41s
